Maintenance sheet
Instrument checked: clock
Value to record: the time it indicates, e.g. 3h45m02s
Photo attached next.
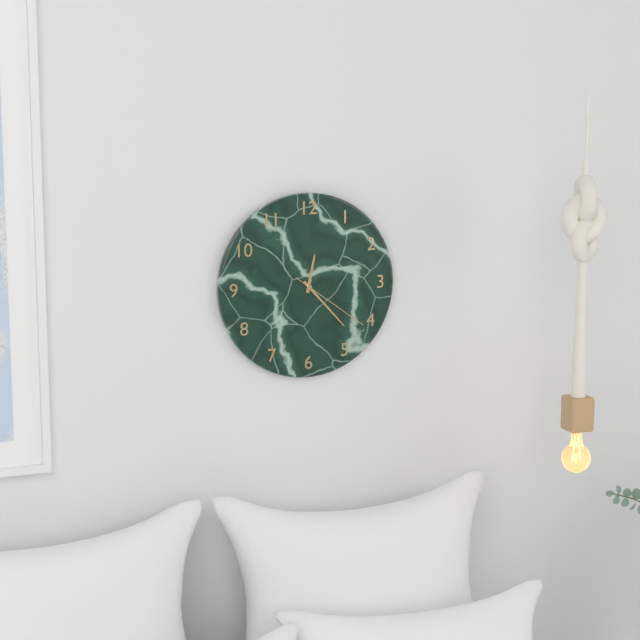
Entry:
12h23m21s
